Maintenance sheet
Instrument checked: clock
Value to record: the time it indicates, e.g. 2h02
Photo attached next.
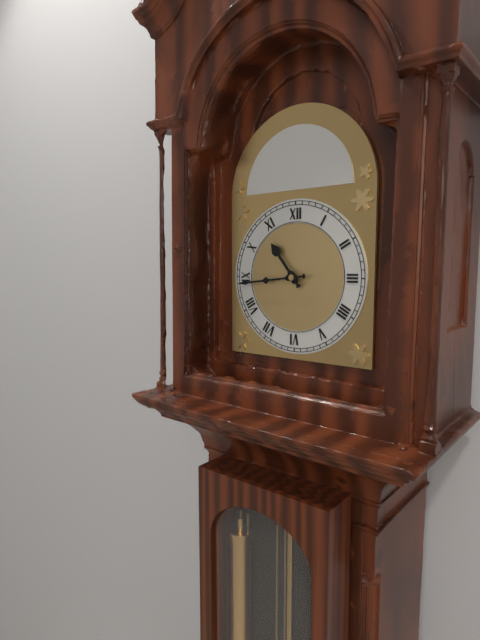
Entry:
10h44
